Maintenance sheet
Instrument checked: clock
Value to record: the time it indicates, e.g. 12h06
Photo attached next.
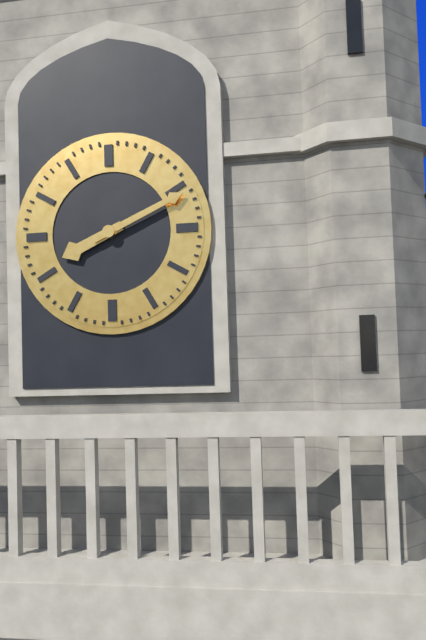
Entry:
8h11
